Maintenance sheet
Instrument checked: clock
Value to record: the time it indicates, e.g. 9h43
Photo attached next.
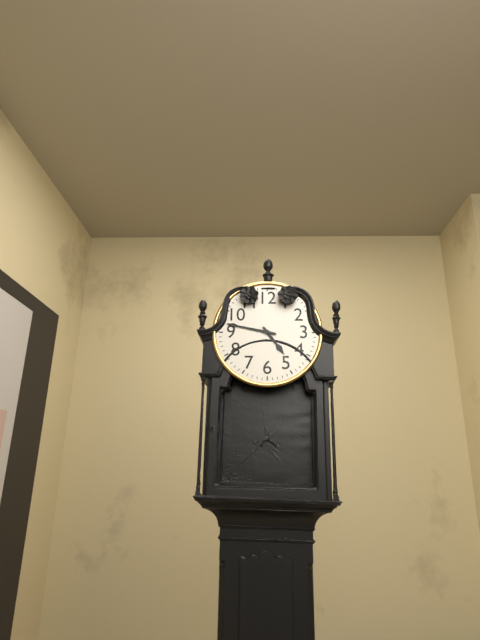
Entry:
4h47
